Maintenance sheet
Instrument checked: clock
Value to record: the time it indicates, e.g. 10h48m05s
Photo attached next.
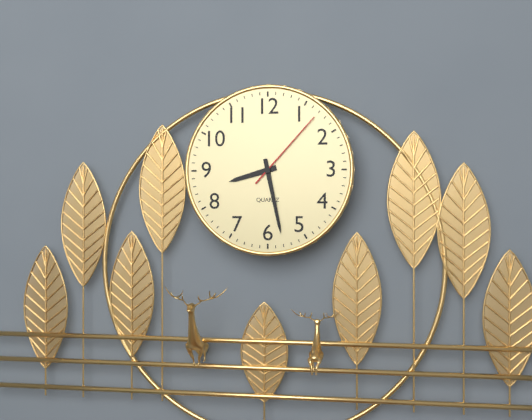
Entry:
8h28m07s
